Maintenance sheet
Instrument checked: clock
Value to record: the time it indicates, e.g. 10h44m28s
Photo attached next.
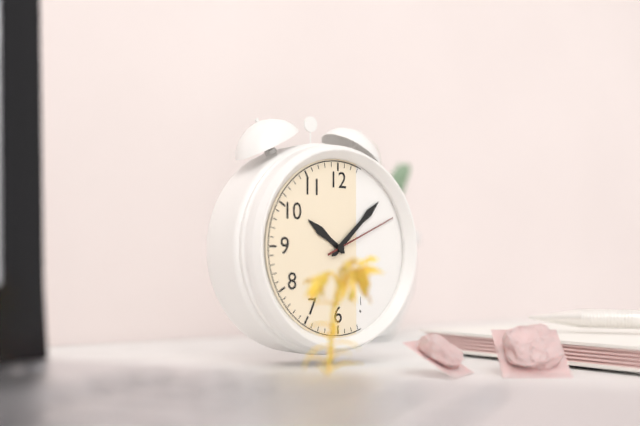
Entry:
10h08m11s
